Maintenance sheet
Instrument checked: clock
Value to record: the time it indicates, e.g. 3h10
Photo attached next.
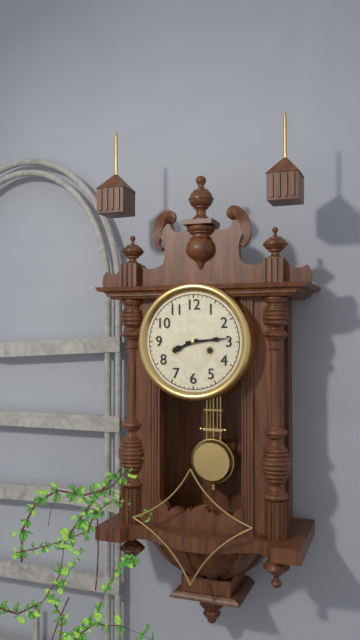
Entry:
8h14
